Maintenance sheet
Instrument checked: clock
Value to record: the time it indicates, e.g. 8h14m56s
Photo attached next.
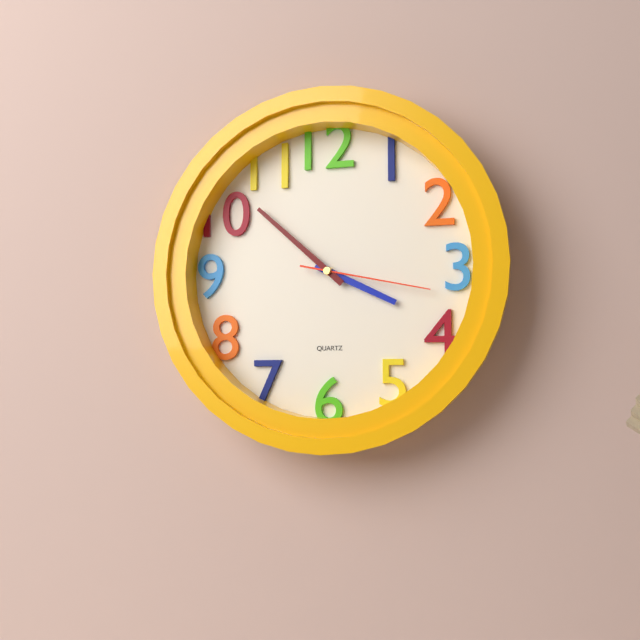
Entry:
3h52m17s
